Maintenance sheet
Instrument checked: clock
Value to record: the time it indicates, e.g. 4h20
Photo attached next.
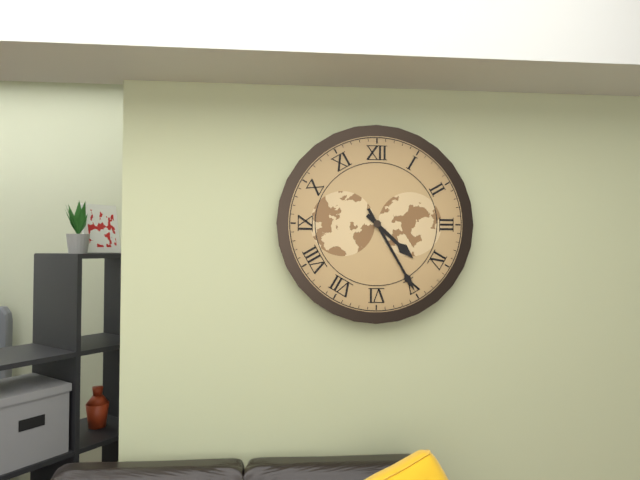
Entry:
4h25
